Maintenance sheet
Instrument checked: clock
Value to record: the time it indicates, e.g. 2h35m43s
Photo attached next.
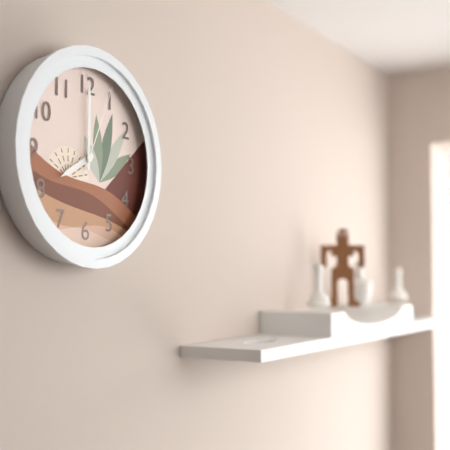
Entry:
8h00m04s
